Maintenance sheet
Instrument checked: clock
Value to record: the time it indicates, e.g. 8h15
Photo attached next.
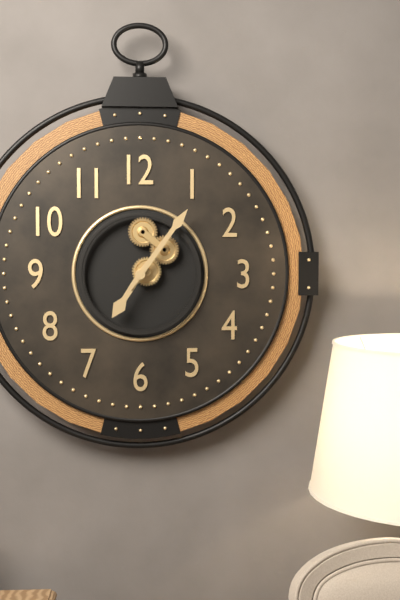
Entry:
7h06
